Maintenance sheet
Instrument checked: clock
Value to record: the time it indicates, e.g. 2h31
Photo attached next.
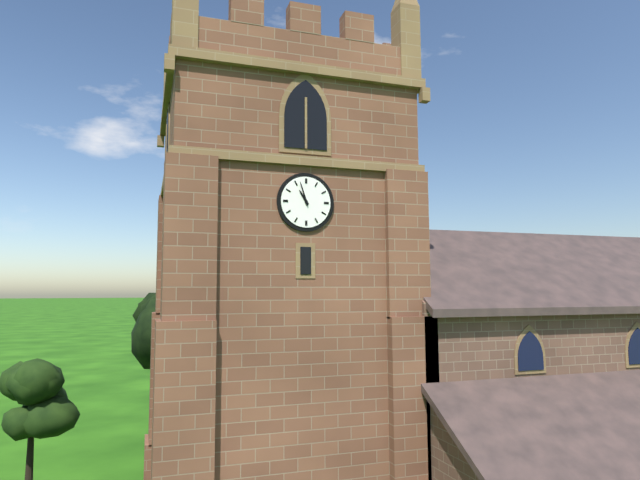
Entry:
10h57
